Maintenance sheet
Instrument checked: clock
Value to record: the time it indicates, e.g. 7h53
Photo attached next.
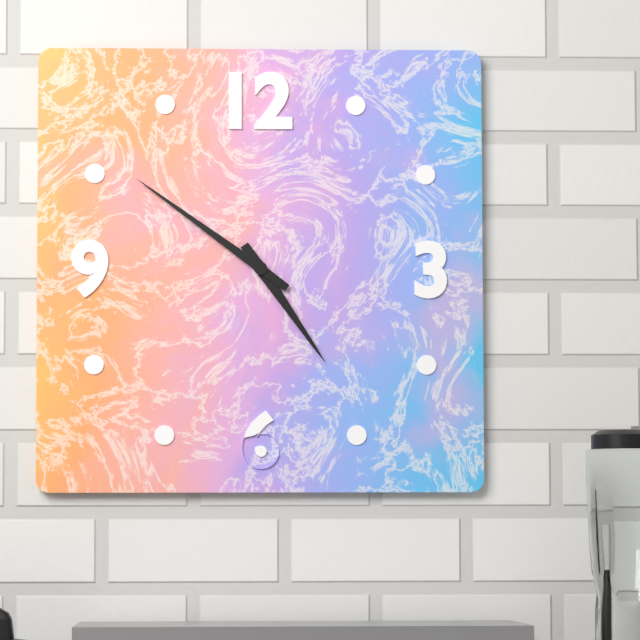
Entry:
4h51
